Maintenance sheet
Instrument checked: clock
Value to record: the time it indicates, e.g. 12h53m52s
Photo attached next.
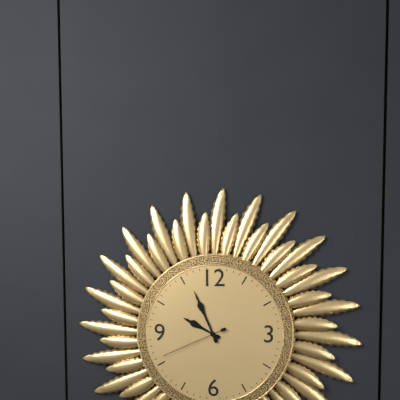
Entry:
9h56m41s
